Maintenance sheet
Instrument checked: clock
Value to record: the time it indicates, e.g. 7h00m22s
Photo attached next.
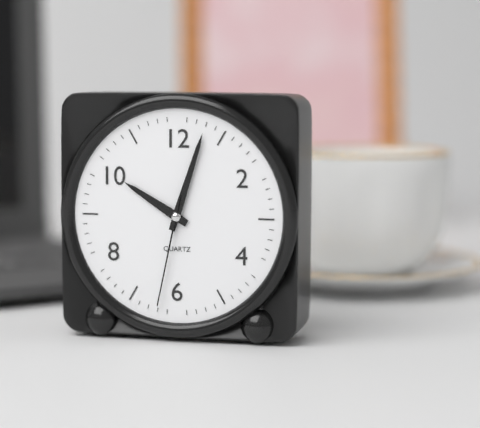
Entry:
10h03m32s
